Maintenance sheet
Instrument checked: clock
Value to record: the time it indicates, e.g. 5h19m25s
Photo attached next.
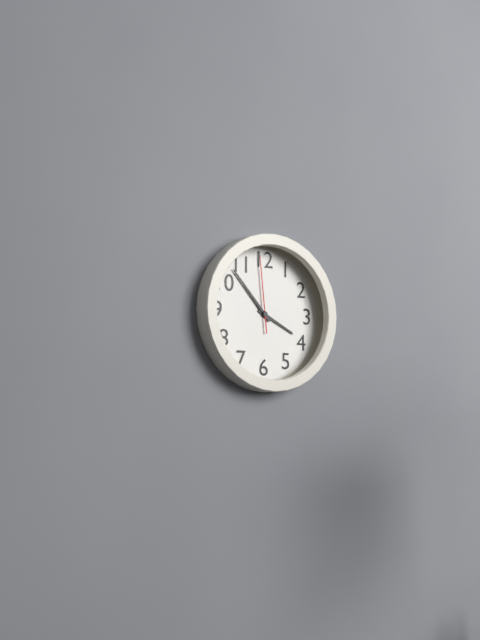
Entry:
3h53m59s
